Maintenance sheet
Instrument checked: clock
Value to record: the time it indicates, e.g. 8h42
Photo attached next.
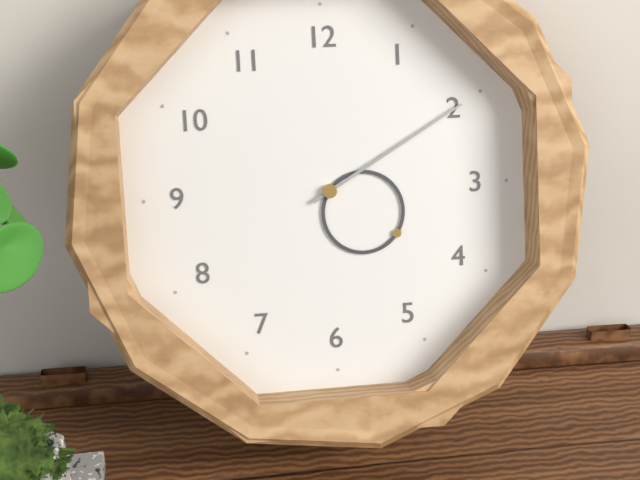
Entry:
4h10
